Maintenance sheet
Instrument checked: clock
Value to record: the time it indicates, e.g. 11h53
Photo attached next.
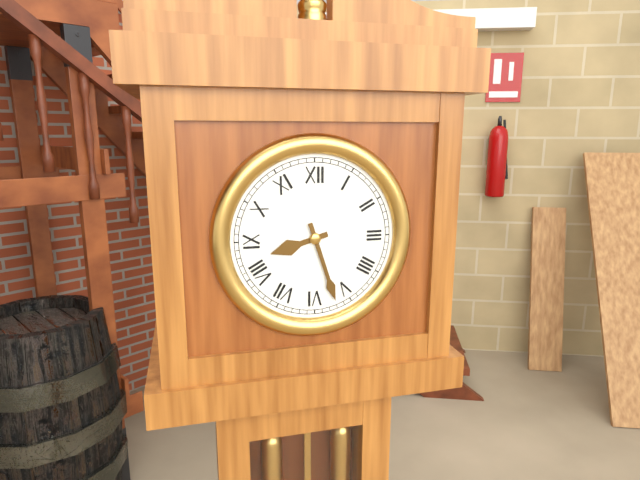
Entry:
8h27
